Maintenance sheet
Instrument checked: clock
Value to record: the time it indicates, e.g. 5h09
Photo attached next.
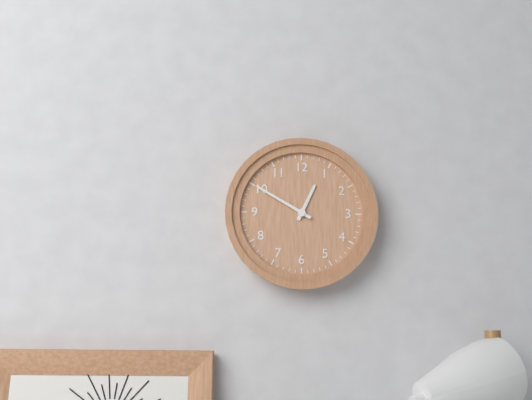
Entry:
12h50
